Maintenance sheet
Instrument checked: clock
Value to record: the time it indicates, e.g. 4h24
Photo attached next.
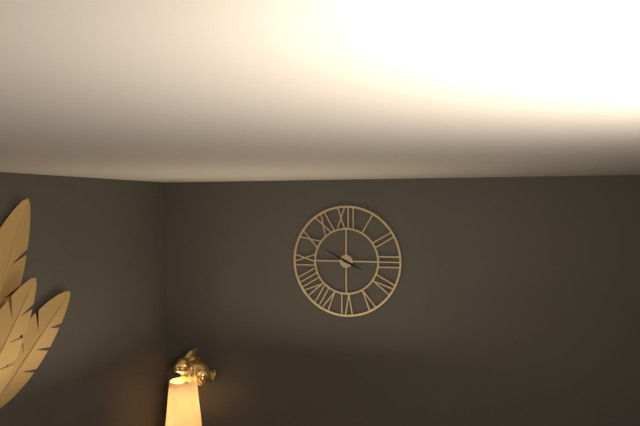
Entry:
3h50
